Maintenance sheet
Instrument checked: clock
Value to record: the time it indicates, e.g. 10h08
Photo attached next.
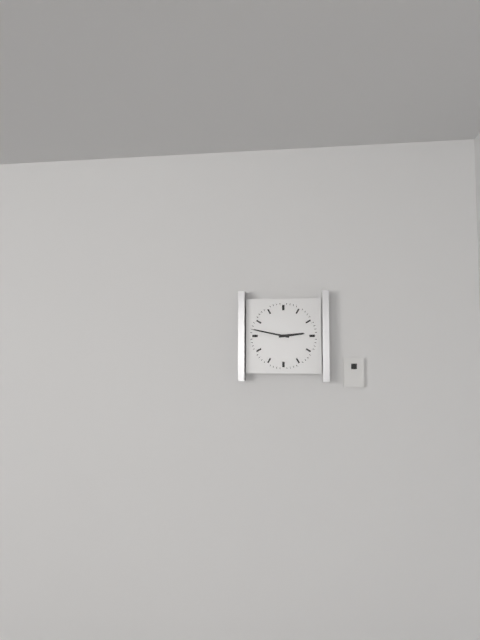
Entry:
2h47
